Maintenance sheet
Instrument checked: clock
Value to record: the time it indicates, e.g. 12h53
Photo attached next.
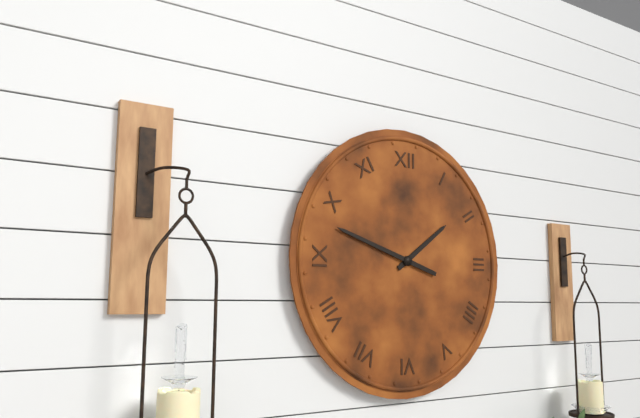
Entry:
1h48
